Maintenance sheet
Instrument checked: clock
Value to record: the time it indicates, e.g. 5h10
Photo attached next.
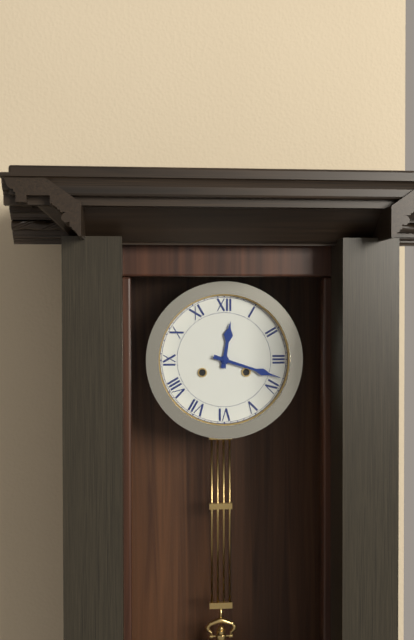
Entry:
12h18
